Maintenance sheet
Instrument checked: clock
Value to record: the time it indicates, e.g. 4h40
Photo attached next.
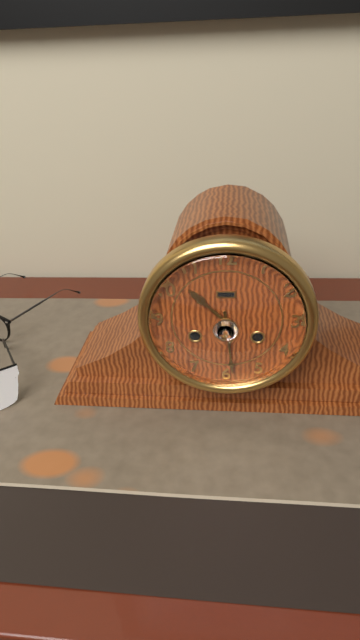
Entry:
10h29
